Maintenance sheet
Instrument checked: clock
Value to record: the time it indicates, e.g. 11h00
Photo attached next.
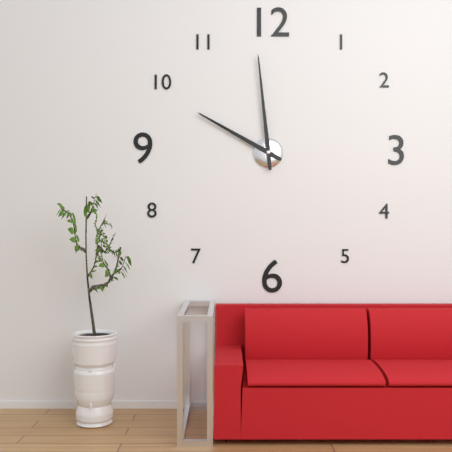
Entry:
9h59
